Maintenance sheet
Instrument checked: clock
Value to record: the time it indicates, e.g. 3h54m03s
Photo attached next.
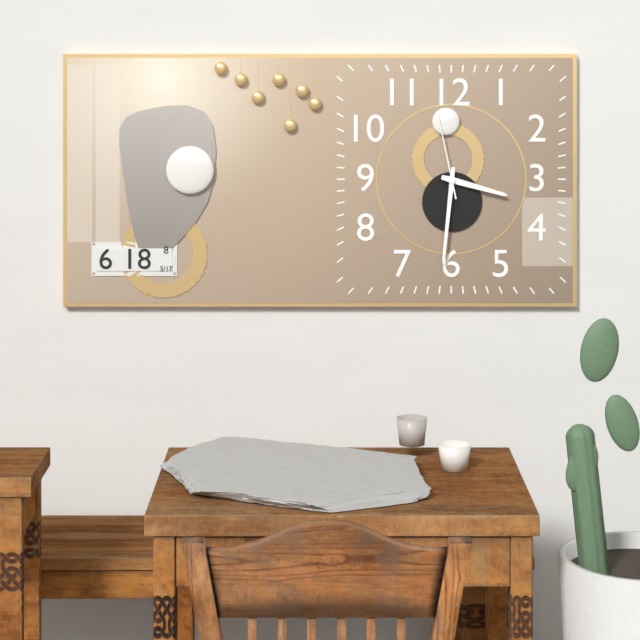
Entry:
3h31m58s
